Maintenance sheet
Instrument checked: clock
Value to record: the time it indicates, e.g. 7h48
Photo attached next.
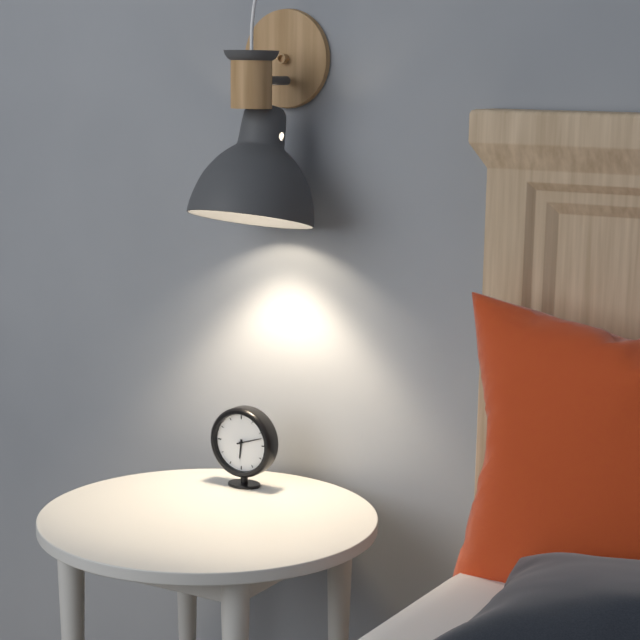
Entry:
6h12
